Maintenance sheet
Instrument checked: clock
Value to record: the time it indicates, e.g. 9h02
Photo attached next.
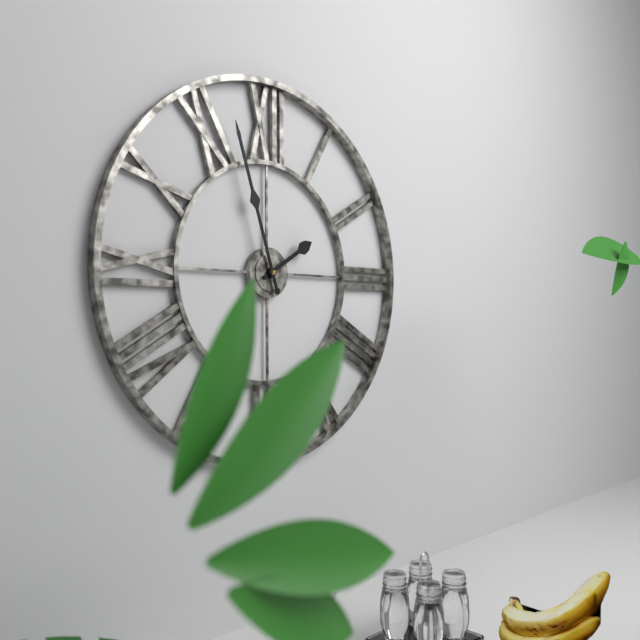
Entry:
1h57
